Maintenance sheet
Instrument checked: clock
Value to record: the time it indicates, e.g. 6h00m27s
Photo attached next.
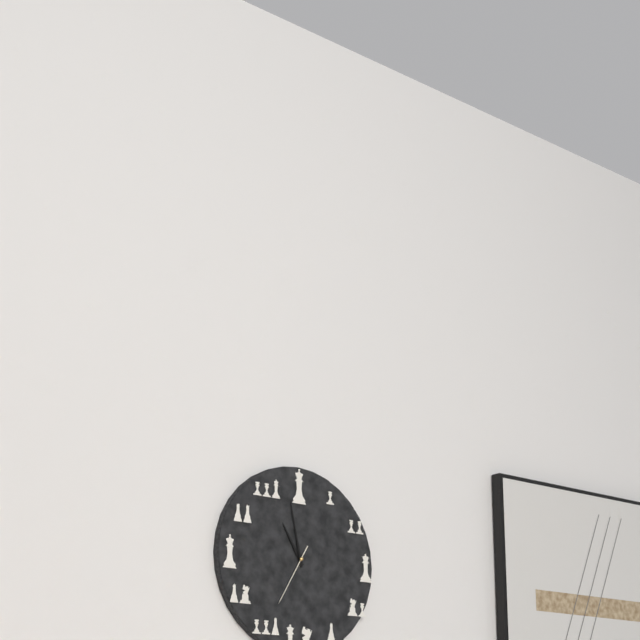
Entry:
10h58m35s
